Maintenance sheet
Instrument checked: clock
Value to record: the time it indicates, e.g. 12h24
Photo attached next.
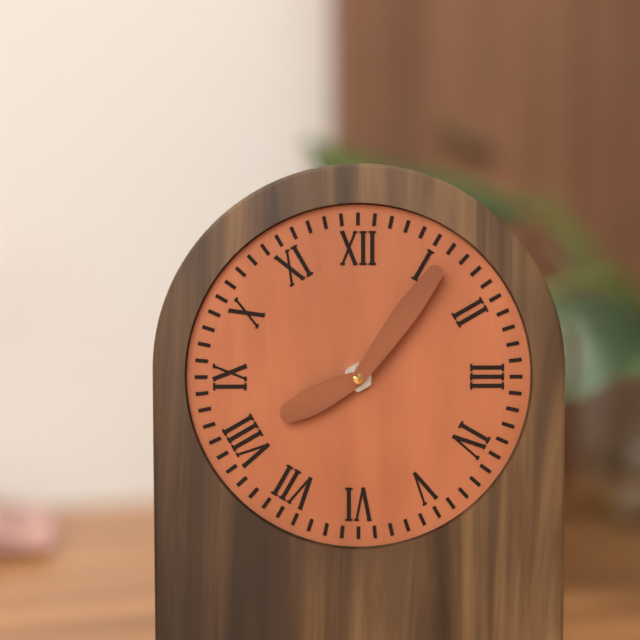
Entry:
8h06
